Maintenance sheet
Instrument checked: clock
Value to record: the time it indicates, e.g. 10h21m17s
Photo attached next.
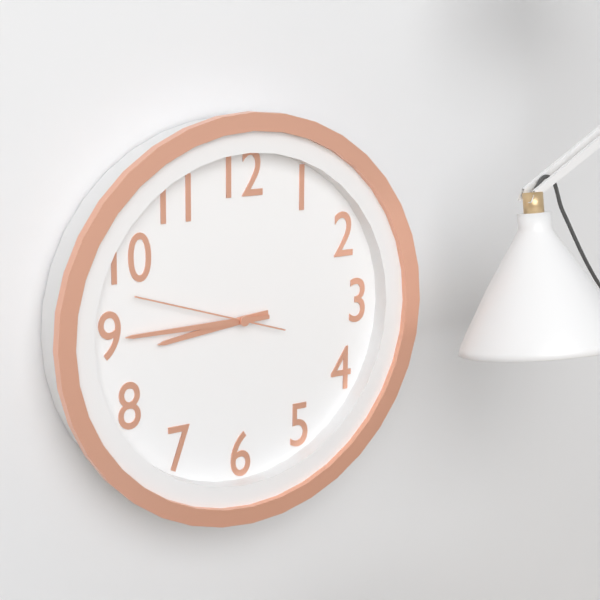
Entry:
8h45m48s
